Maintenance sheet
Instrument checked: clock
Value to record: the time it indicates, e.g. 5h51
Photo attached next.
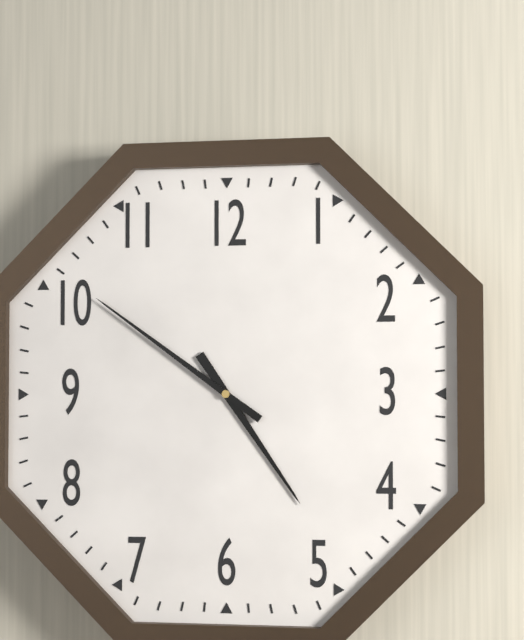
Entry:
4h51
